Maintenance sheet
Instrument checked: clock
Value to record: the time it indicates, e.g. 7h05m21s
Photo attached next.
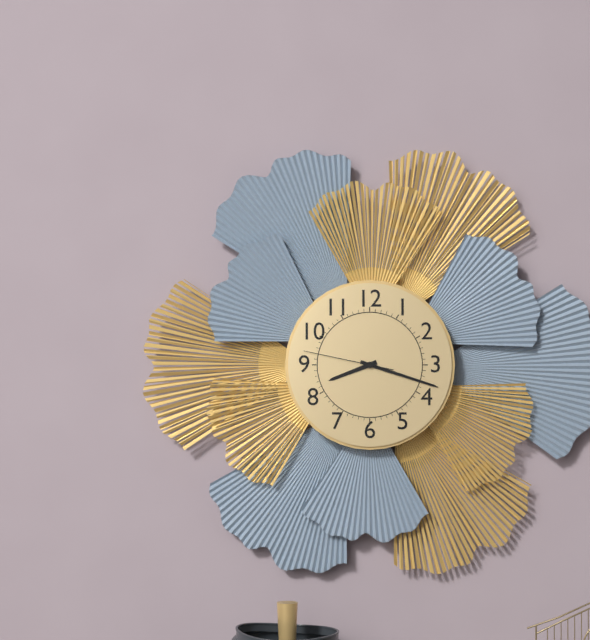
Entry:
8h18m47s
